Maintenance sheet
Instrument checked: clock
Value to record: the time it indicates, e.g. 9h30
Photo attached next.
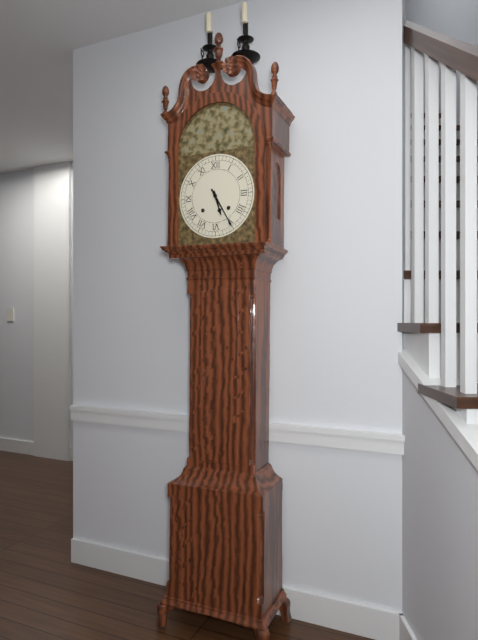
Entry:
5h25
